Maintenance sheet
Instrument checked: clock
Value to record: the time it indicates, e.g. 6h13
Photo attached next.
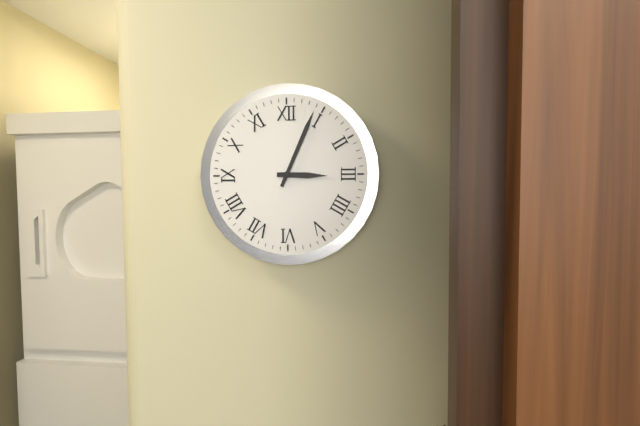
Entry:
3h04
